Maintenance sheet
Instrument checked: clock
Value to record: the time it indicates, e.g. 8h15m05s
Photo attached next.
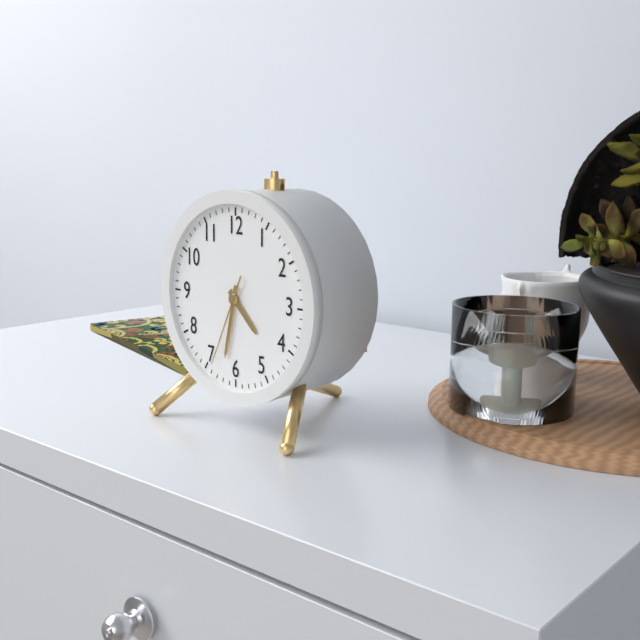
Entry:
4h32m34s
